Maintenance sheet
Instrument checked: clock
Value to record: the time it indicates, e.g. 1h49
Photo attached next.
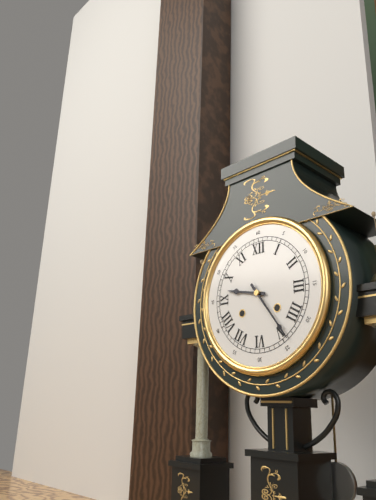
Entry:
9h24
